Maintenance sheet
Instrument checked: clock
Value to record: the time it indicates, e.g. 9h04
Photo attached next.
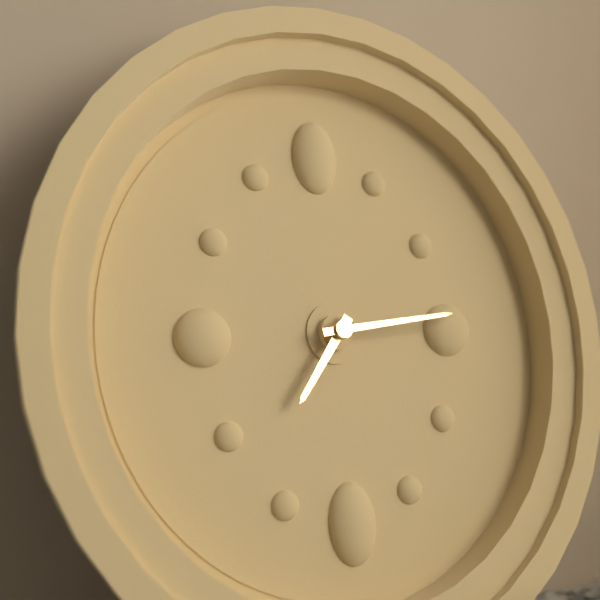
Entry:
7h14
